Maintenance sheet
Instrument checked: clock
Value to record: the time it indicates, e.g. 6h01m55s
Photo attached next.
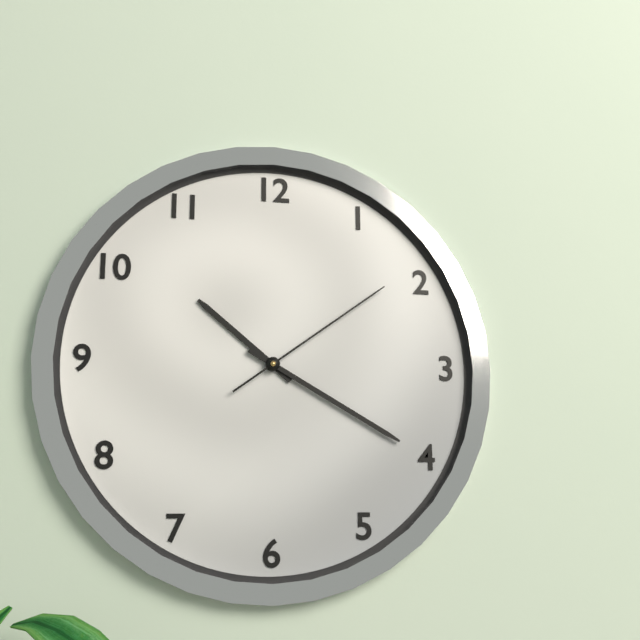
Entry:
10h20m09s
